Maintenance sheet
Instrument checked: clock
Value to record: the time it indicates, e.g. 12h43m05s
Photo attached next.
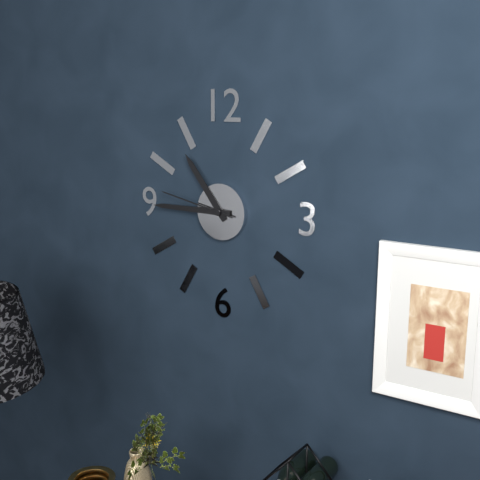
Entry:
10h45m47s
